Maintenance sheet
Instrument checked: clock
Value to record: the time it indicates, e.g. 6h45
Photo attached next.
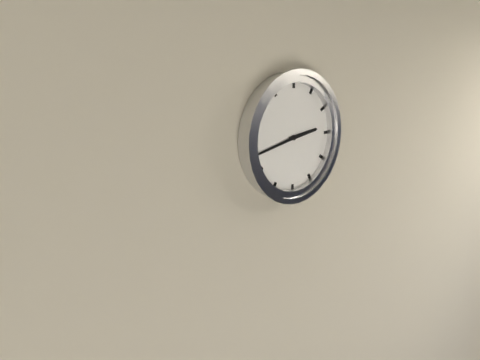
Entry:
2h43
